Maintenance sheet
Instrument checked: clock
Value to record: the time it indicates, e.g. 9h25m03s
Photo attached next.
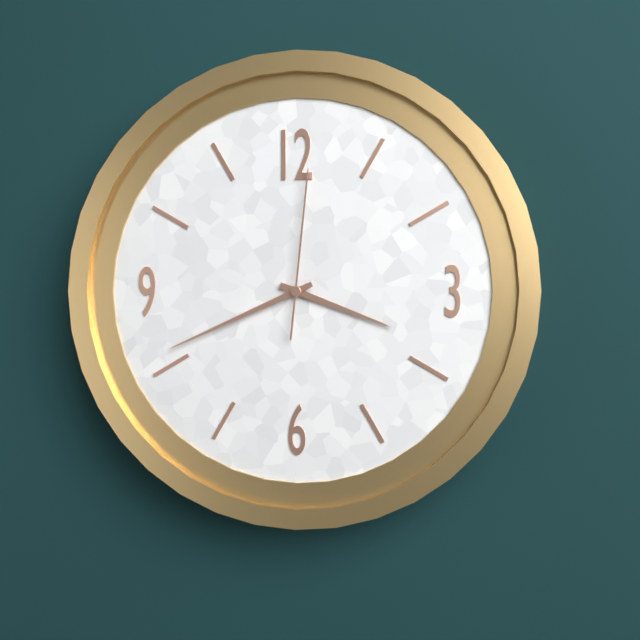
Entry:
3h41m01s
